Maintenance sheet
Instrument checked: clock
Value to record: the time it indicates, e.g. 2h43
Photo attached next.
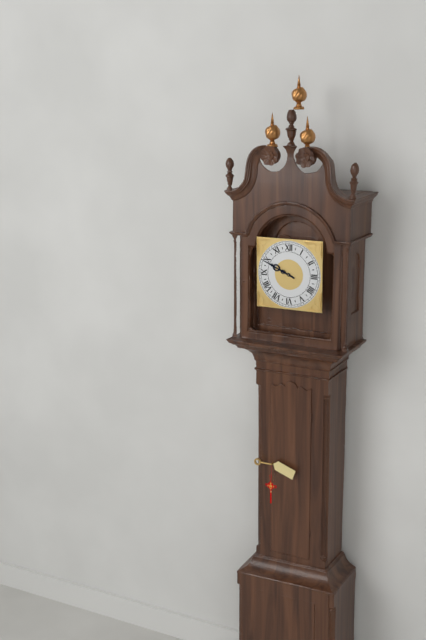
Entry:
9h49
